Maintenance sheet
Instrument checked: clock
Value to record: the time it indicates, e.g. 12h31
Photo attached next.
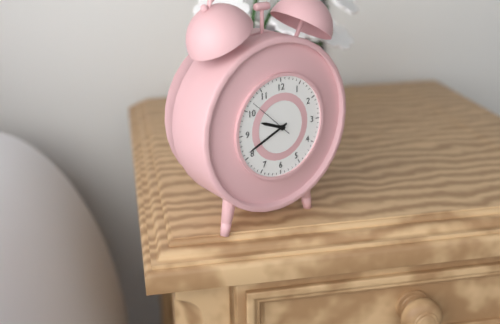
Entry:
9h41
